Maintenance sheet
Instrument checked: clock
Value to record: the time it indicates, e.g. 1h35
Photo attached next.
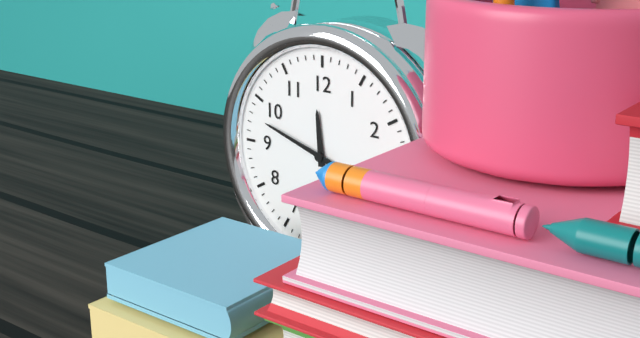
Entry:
11h48
